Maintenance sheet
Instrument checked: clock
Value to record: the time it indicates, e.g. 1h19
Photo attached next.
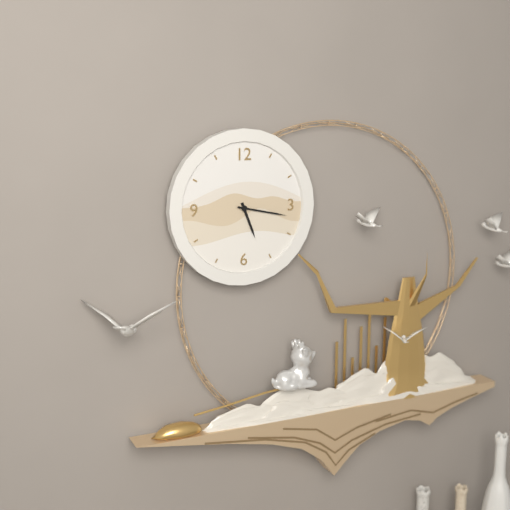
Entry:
5h17
